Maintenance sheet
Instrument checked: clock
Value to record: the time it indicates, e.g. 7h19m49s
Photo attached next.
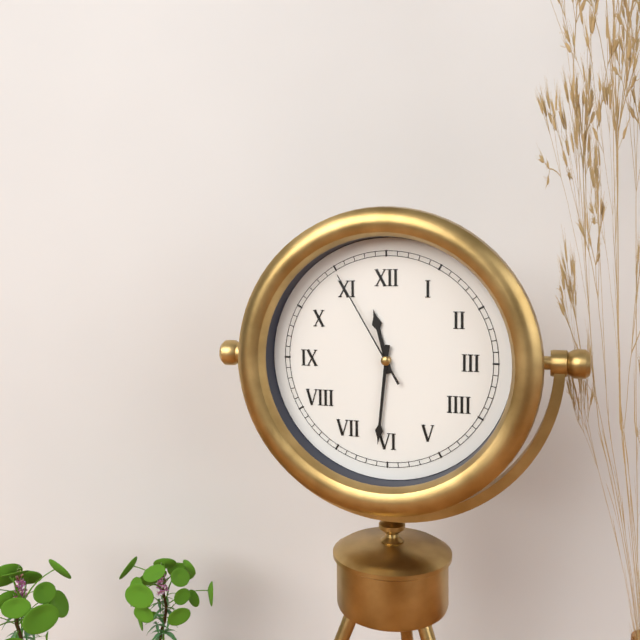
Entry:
11h31m55s
